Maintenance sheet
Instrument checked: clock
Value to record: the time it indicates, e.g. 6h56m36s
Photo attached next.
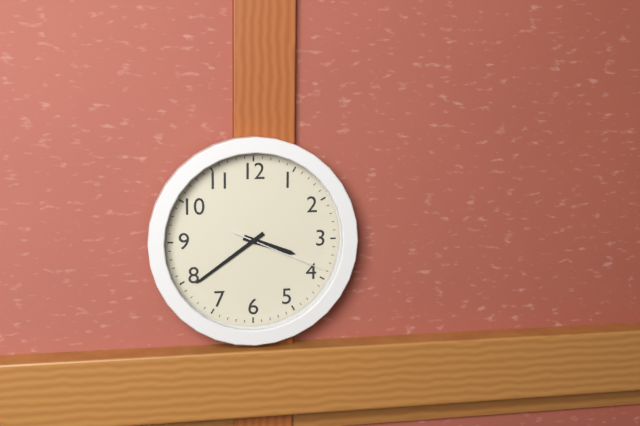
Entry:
3h39m19s
